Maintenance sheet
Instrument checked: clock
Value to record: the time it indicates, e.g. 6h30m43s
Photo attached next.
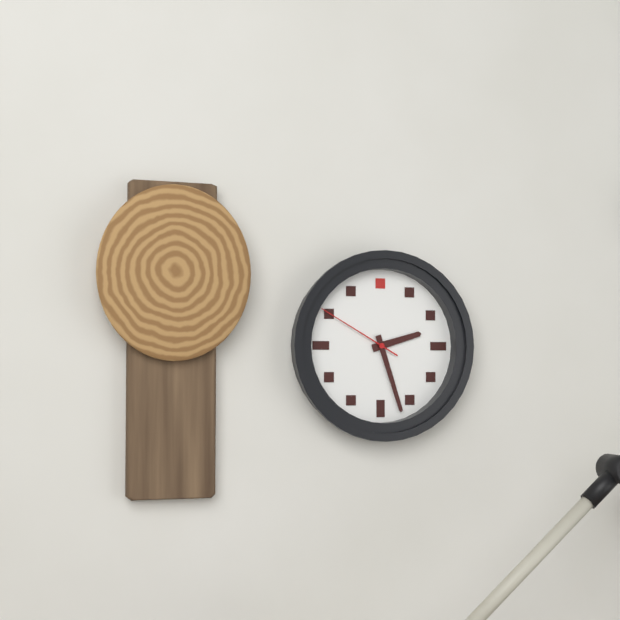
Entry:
2h27m50s
